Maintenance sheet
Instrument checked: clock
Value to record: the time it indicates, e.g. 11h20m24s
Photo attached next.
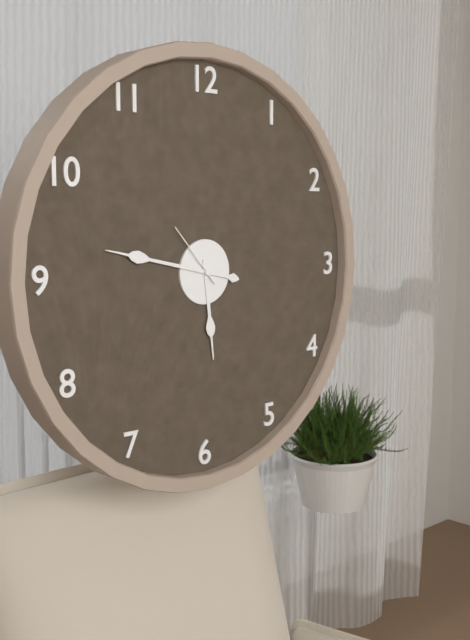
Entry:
5h47m53s
